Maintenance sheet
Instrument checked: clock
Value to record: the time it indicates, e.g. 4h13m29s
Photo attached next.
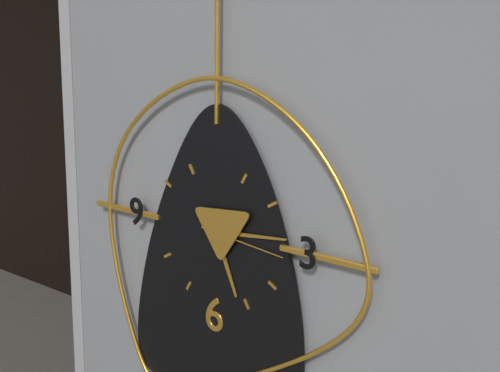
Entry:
5h14m16s
